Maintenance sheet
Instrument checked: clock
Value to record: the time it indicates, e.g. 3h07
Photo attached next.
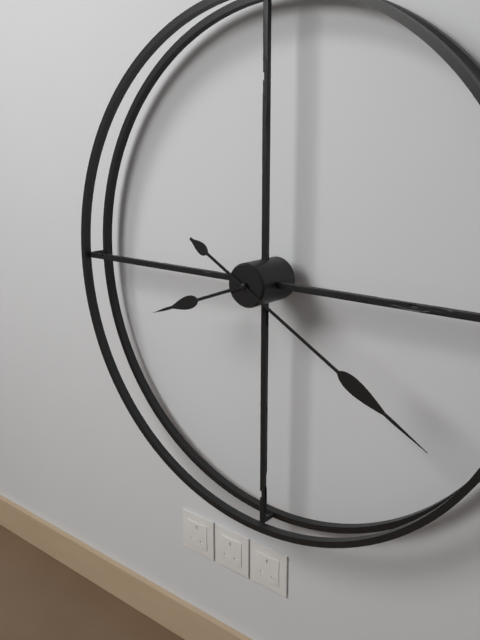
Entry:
8h20
